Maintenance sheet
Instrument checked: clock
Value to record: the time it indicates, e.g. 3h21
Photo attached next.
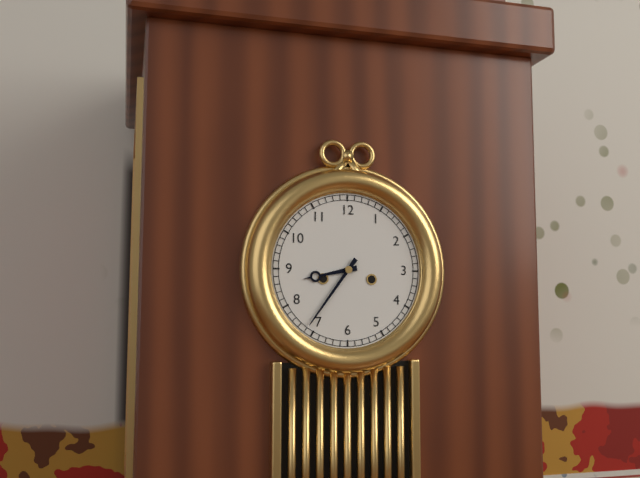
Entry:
8h36
